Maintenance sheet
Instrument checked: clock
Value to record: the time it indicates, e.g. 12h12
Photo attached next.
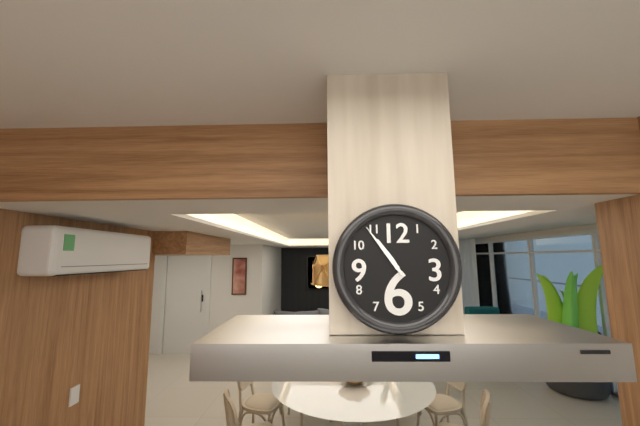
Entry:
10h54
